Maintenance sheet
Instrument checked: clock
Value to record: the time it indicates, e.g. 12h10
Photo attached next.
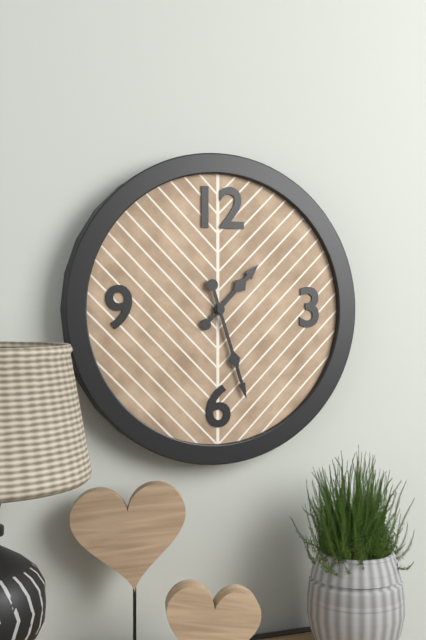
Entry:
1h27
